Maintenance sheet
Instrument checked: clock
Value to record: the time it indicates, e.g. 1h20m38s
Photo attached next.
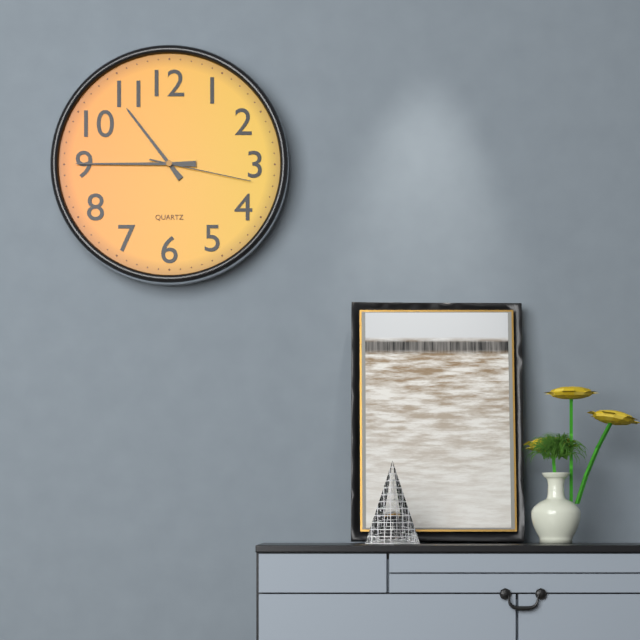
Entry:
10h45m17s
